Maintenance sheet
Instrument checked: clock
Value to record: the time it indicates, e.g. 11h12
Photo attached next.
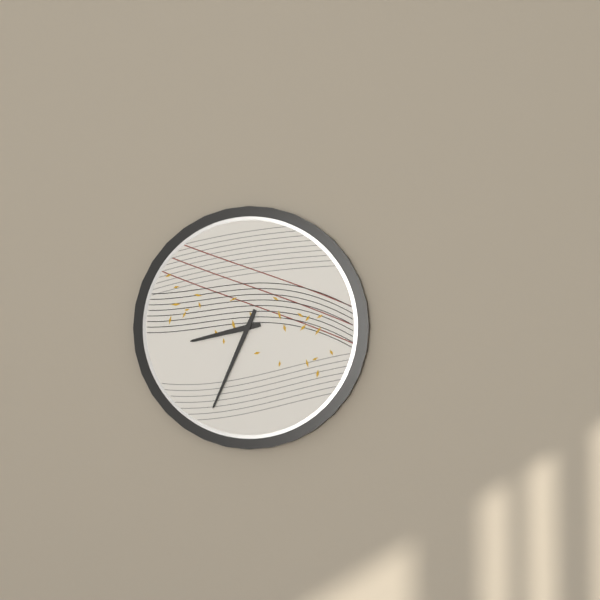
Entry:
8h34
